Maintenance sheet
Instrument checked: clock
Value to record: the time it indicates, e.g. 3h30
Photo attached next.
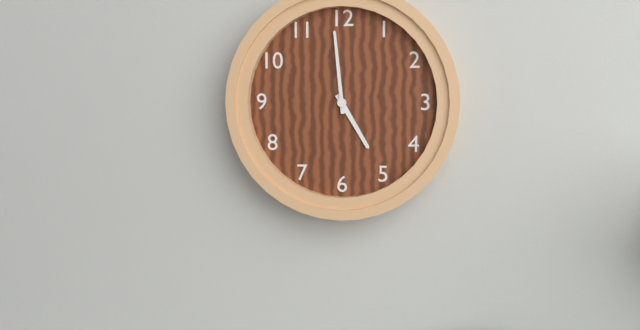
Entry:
4h59
